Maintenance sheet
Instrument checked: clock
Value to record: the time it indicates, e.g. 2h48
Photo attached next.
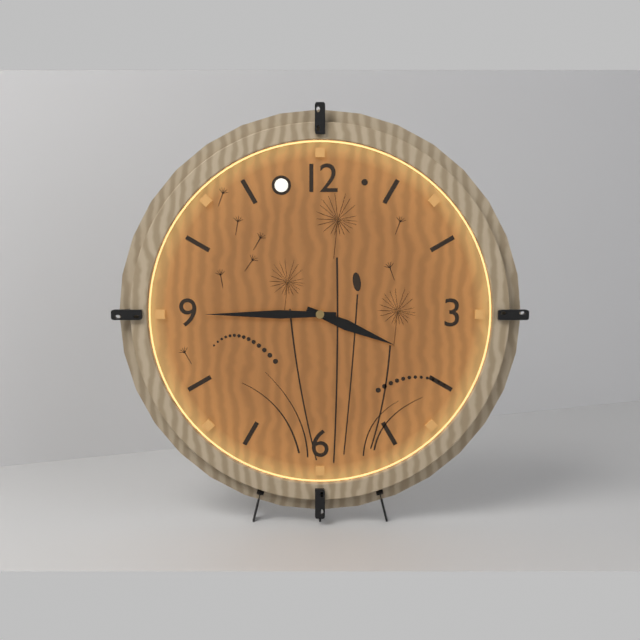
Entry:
3h45
